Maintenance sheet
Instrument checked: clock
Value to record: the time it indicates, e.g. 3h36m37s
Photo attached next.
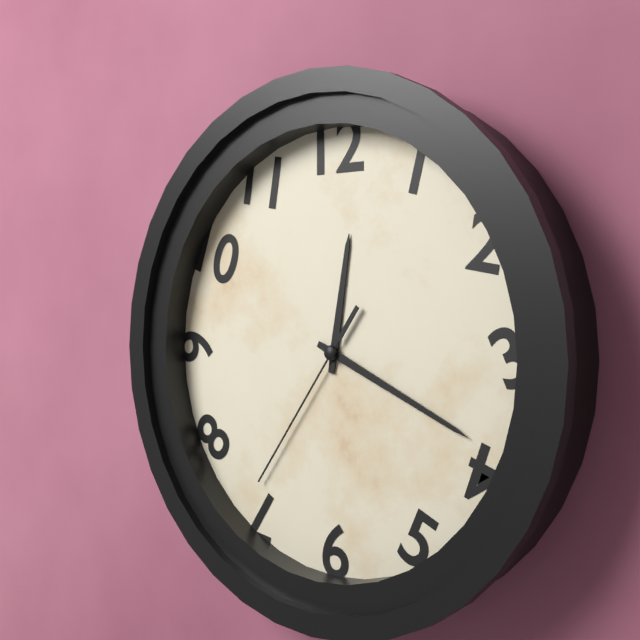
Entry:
12h19m36s
